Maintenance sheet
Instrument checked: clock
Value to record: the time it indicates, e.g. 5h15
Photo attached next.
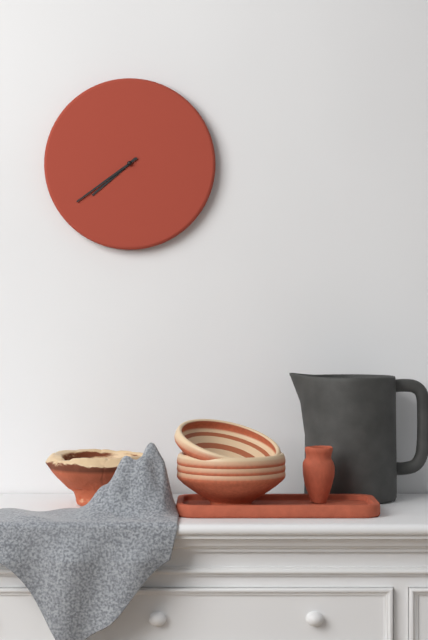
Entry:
7h39
